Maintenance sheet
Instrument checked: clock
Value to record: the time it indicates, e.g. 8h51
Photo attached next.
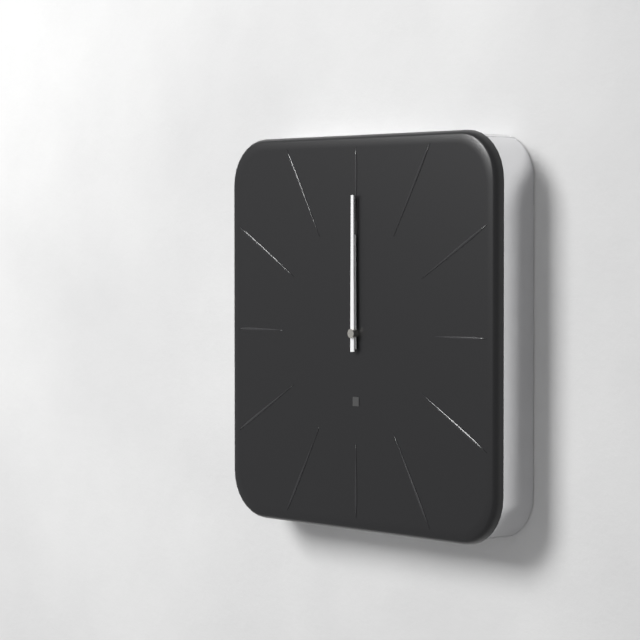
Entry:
12h00
